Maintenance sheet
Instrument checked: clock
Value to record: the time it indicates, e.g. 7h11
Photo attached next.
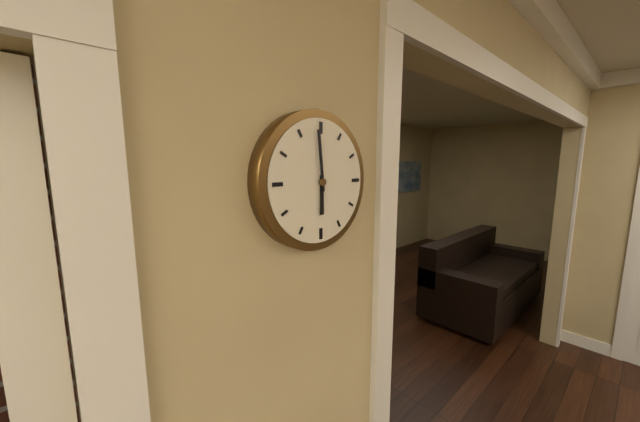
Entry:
5h59
